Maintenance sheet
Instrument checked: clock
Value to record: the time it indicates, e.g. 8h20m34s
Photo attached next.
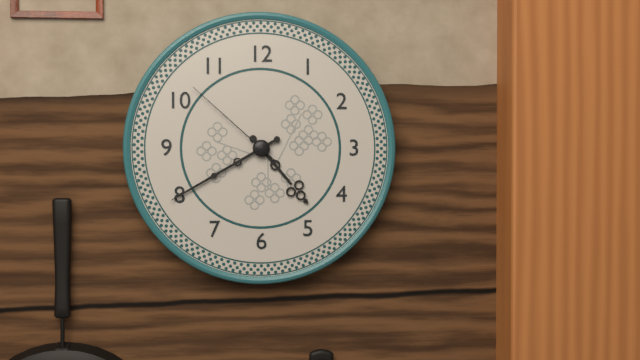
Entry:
4h40m52s
